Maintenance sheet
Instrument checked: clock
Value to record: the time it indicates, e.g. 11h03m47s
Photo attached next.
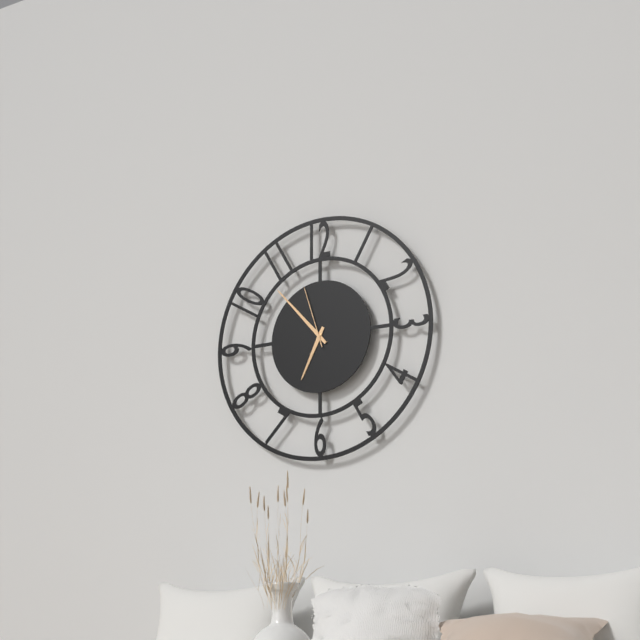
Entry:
6h53m57s
